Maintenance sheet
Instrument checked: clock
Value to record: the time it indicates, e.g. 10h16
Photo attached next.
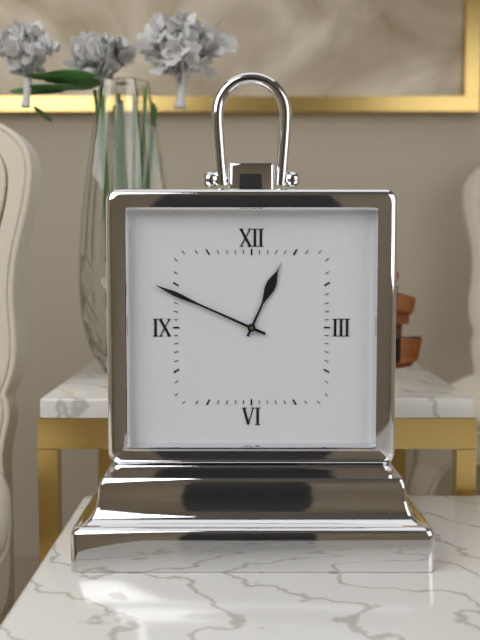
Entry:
12h49
